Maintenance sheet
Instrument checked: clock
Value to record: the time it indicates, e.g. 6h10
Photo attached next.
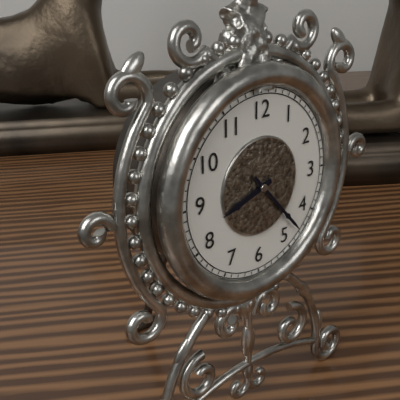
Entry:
8h23
